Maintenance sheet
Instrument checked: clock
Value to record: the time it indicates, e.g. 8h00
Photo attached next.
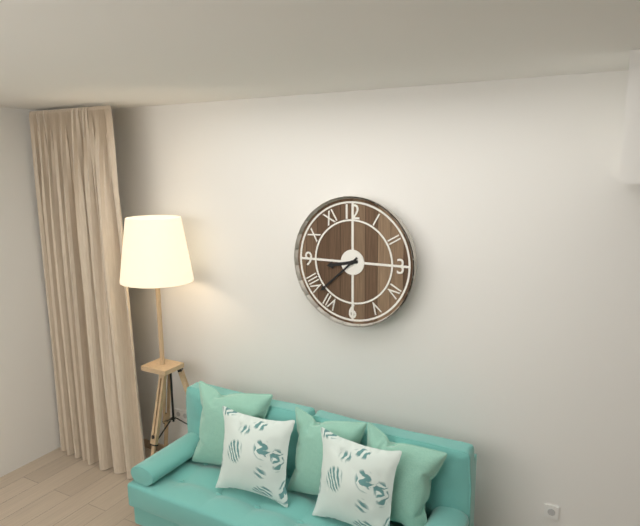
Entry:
8h38
